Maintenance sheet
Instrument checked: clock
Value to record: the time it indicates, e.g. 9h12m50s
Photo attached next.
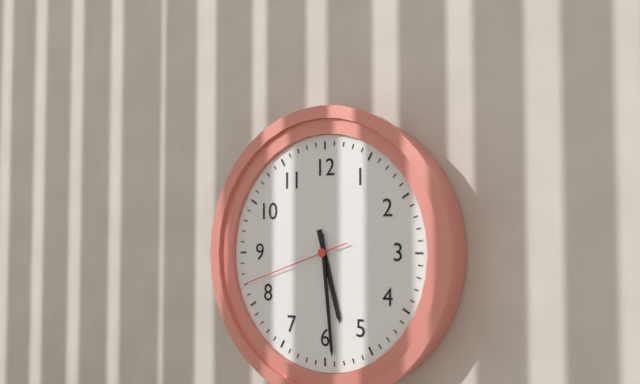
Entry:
5h29m42s
